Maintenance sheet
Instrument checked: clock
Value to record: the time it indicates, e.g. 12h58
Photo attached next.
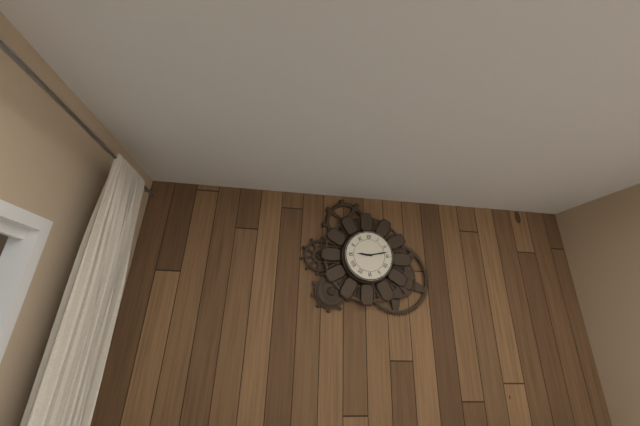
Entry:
9h13
